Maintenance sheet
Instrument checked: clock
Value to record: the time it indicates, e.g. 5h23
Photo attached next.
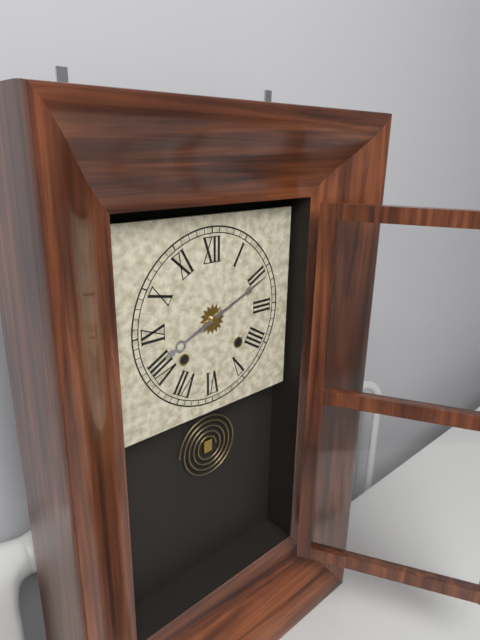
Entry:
8h11
